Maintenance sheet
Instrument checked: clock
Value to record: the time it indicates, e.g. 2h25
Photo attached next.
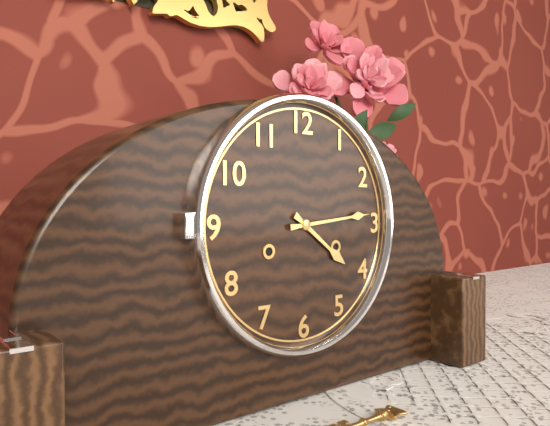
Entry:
4h14
